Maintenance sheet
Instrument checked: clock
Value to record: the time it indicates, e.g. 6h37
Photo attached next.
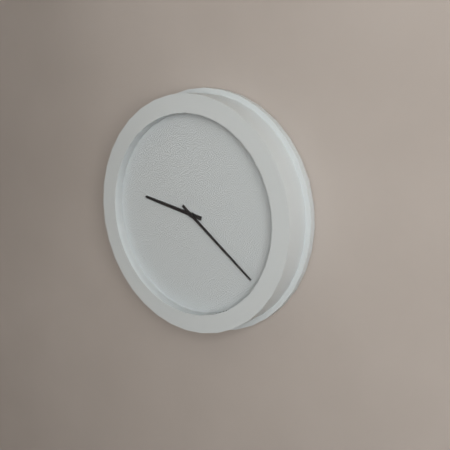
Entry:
9h21
